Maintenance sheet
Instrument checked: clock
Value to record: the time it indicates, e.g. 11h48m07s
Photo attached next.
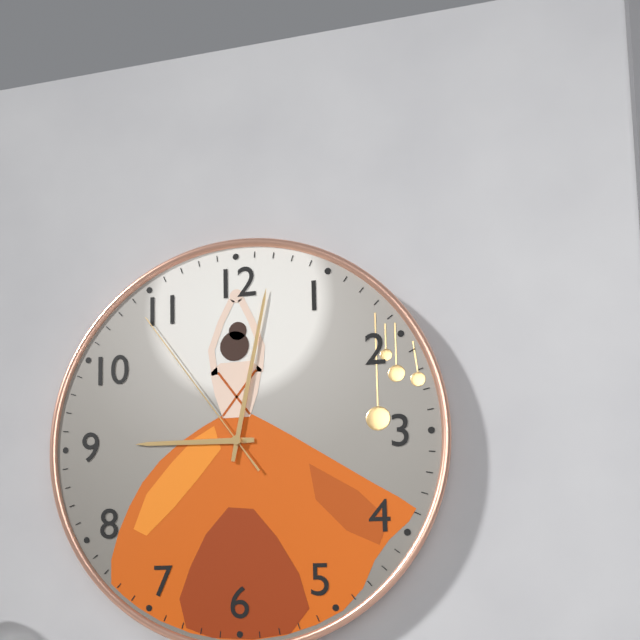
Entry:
9h02m54s
